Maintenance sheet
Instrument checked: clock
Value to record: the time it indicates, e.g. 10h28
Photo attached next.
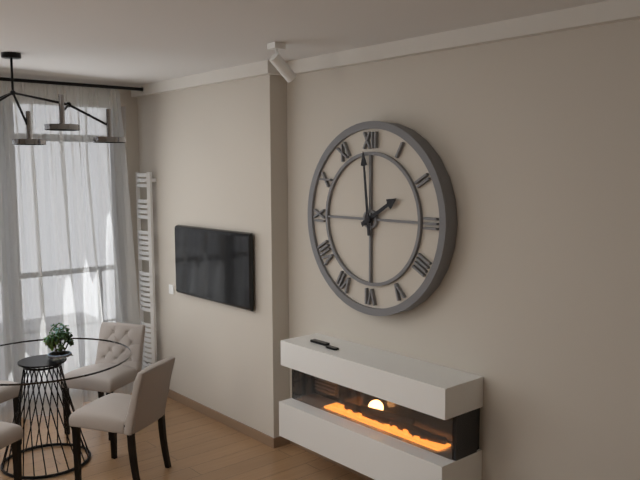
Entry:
1h59
